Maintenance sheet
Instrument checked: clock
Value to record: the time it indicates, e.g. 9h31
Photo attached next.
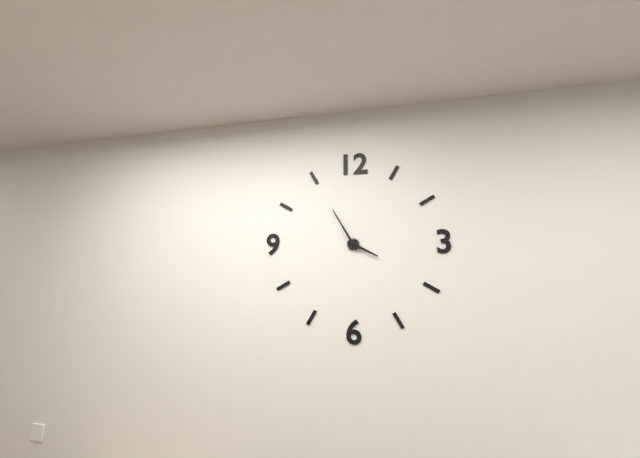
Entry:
3h55
